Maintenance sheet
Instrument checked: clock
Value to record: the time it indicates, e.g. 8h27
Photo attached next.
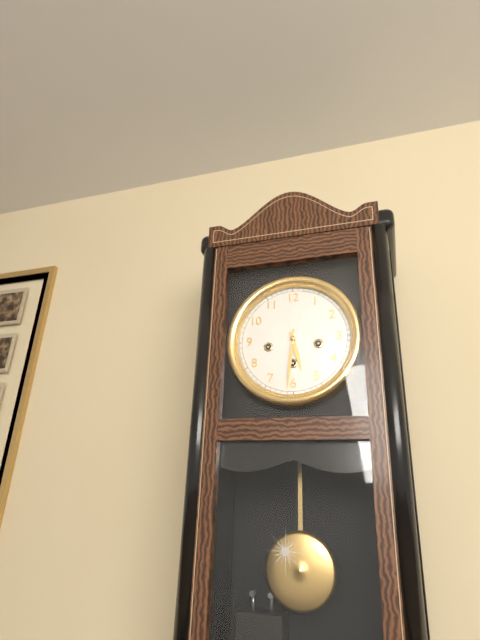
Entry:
5h31
